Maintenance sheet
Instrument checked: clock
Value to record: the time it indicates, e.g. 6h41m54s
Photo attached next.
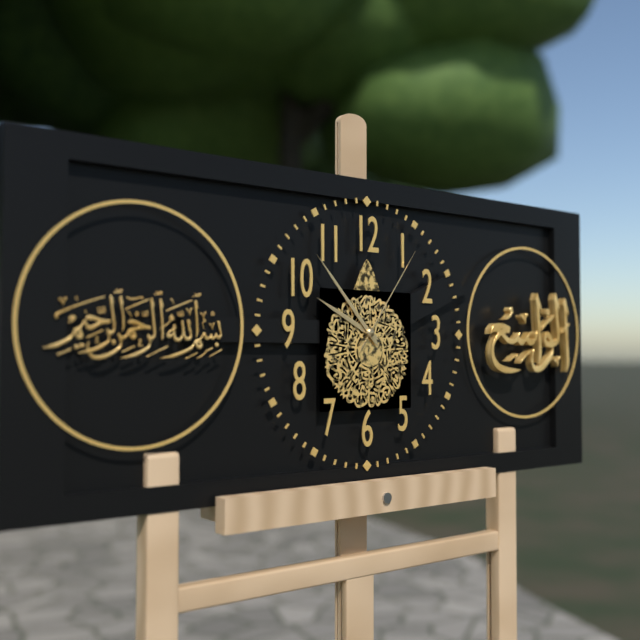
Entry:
9h53m06s
